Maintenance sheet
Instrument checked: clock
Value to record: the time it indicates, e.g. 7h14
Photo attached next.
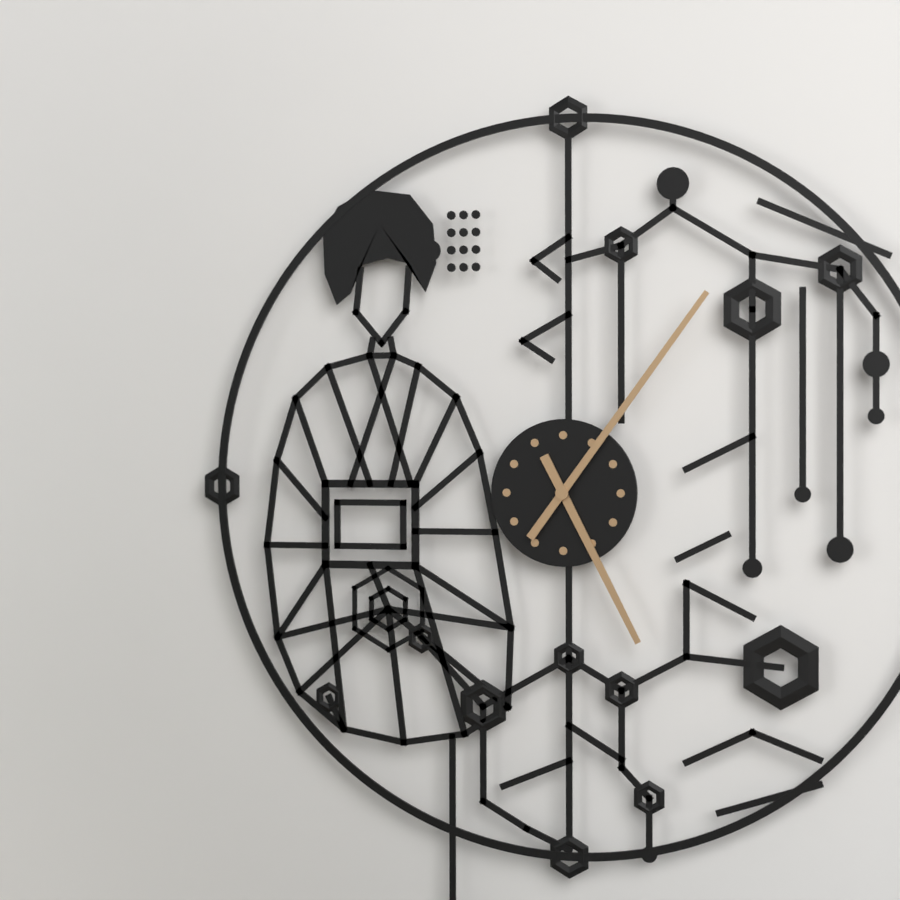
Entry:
5h06
